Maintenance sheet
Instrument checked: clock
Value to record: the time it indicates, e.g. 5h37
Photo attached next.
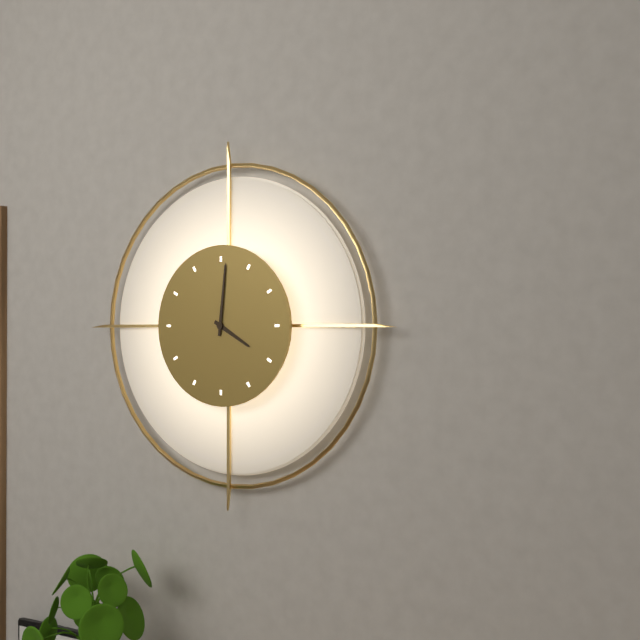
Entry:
4h01
